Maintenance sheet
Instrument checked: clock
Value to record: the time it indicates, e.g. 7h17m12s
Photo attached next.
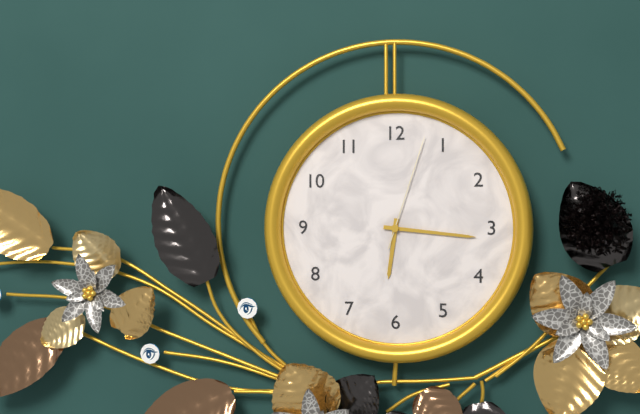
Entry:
6h16m03s
